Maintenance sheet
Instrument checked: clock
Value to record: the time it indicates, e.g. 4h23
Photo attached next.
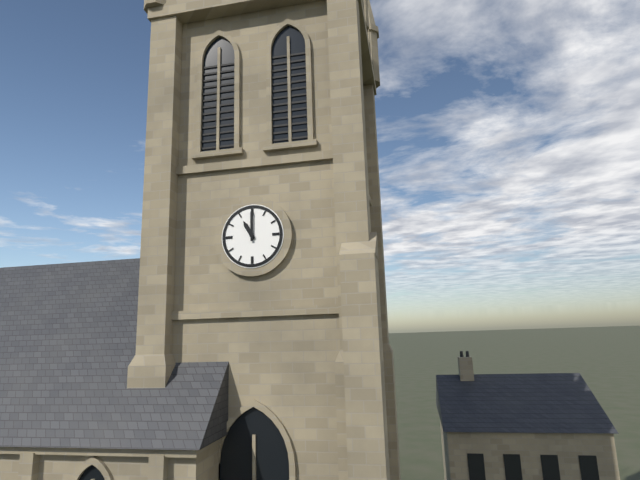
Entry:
11h00
